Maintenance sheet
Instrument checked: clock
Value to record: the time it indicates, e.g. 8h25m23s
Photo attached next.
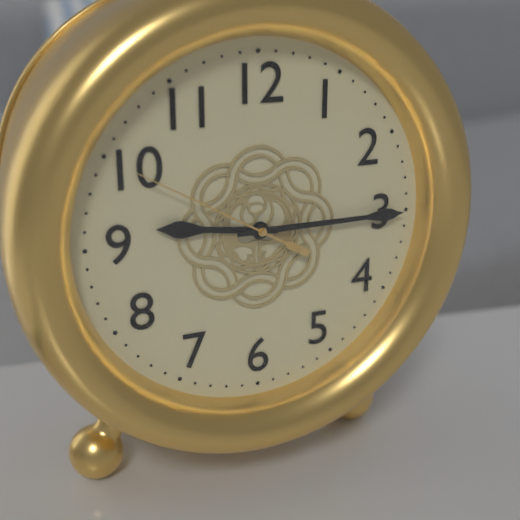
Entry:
9h15m50s
